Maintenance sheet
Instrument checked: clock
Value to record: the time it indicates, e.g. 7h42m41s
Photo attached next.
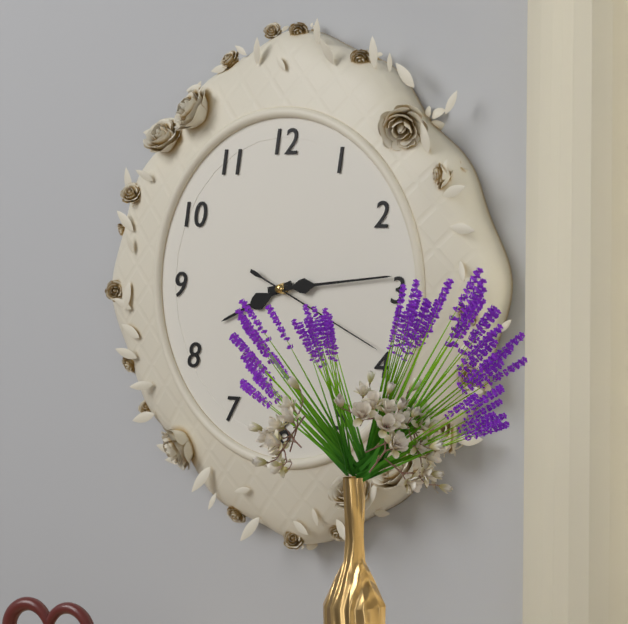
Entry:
8h14m19s
